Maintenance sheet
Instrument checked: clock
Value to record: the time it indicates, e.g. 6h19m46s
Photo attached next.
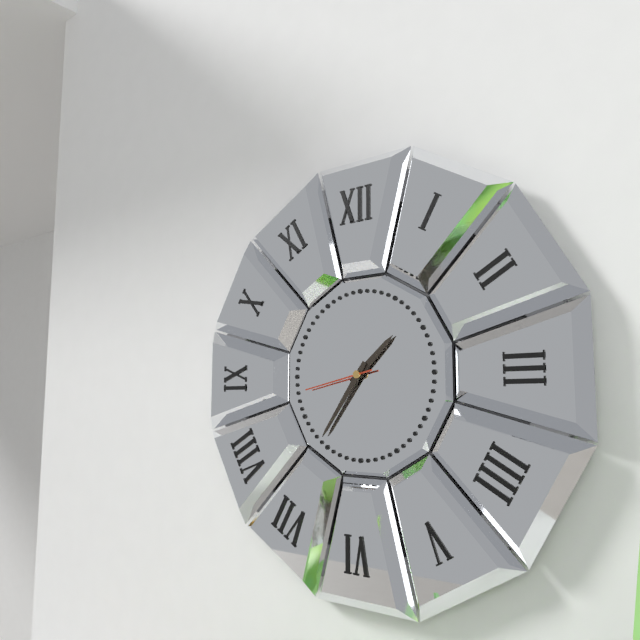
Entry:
1h36m43s
